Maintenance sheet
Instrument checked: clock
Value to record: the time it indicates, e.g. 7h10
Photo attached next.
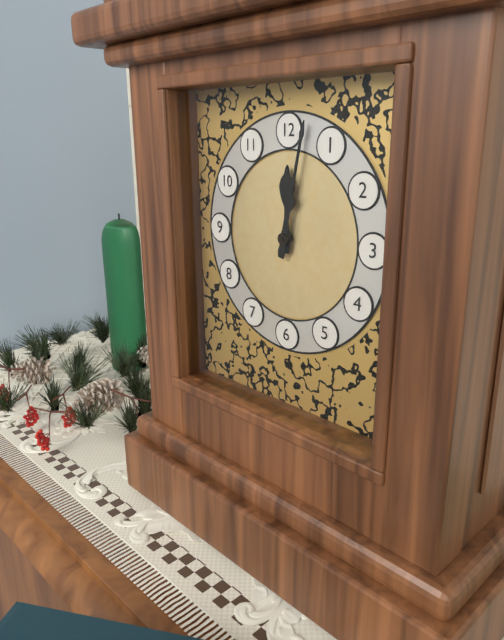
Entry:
12h02
